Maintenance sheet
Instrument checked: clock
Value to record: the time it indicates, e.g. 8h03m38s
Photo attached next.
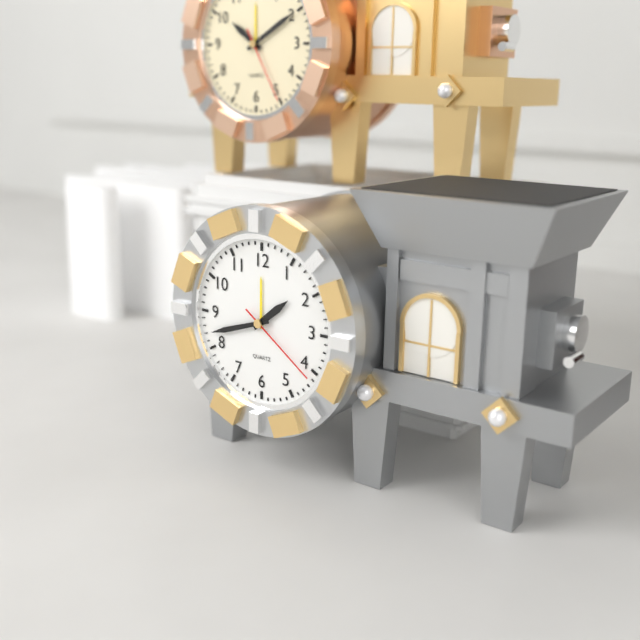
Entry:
1h42m21s
